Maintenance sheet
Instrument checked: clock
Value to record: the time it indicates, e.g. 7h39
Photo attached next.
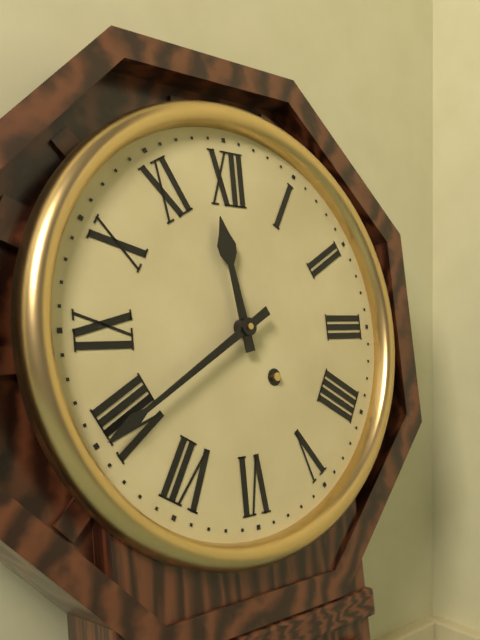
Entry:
11h40
